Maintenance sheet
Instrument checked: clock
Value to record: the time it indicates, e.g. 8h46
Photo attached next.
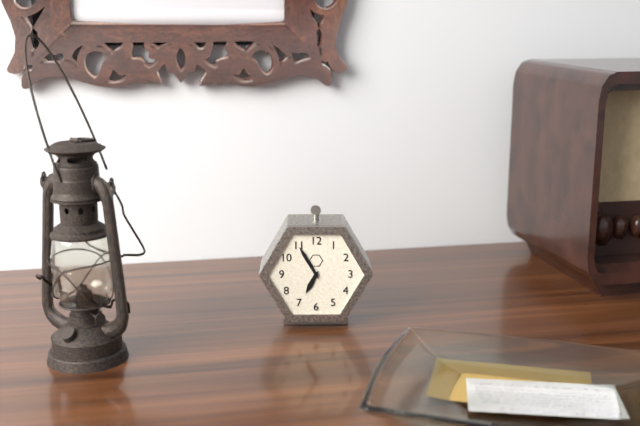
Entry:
6h55
